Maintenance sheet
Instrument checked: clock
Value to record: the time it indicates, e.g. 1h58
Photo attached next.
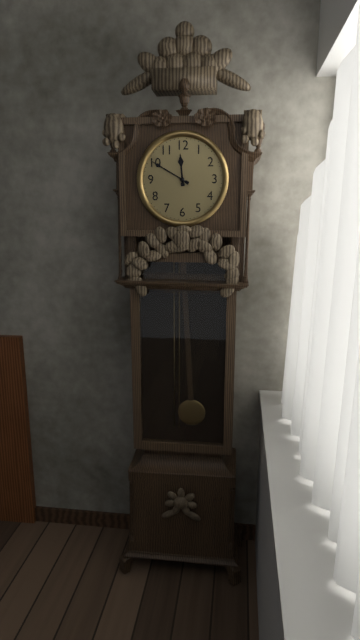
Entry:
11h50
